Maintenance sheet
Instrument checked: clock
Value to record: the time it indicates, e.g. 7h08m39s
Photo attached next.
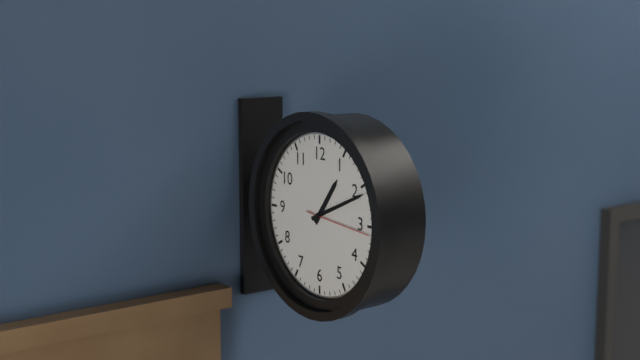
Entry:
1h11m16s
